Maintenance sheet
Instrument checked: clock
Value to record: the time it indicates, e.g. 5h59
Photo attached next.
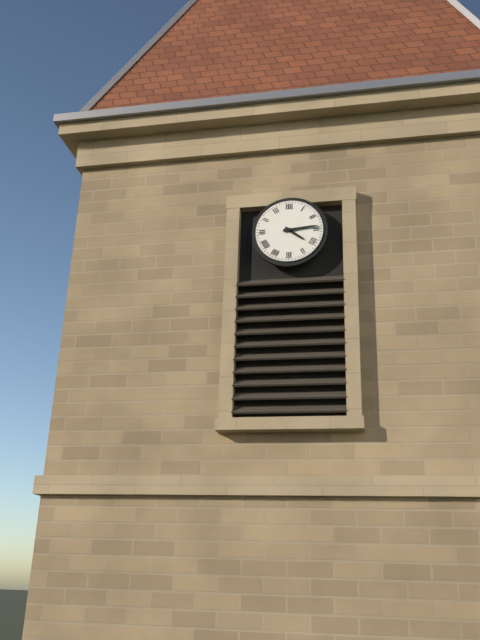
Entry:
4h14
